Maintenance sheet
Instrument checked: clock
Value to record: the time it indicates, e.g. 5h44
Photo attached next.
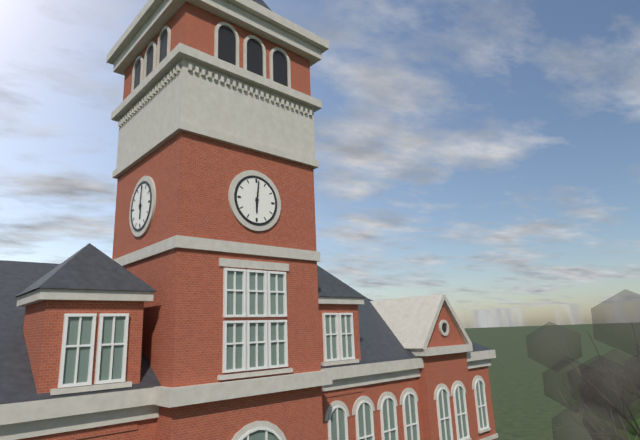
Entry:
6h01
